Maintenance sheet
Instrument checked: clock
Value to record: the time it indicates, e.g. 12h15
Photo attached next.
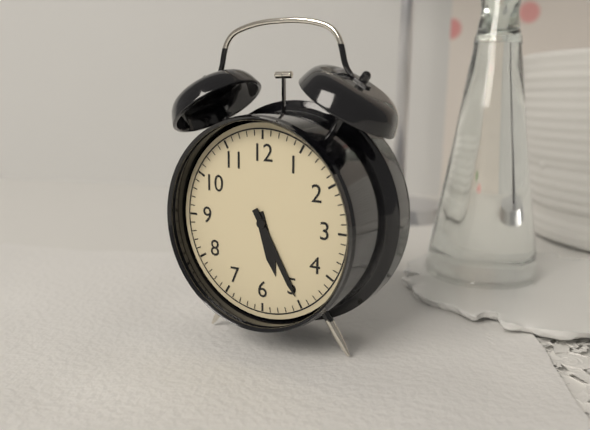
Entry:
5h25
